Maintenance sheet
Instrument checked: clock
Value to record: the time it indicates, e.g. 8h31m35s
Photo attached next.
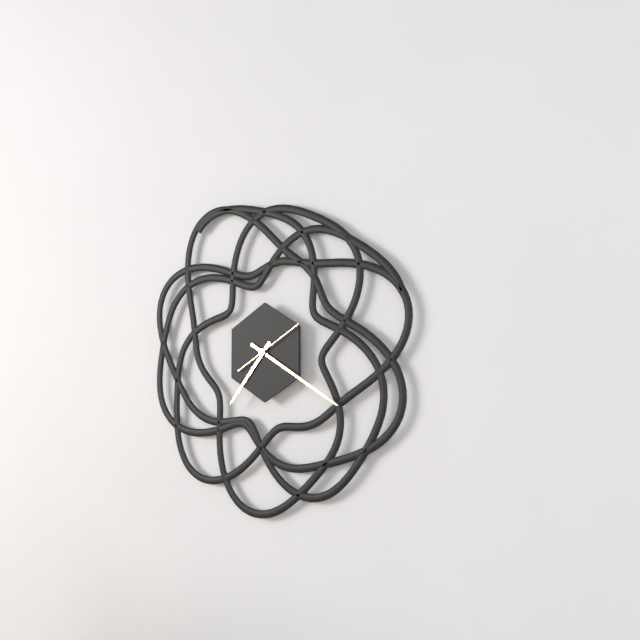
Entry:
7h20m10s
